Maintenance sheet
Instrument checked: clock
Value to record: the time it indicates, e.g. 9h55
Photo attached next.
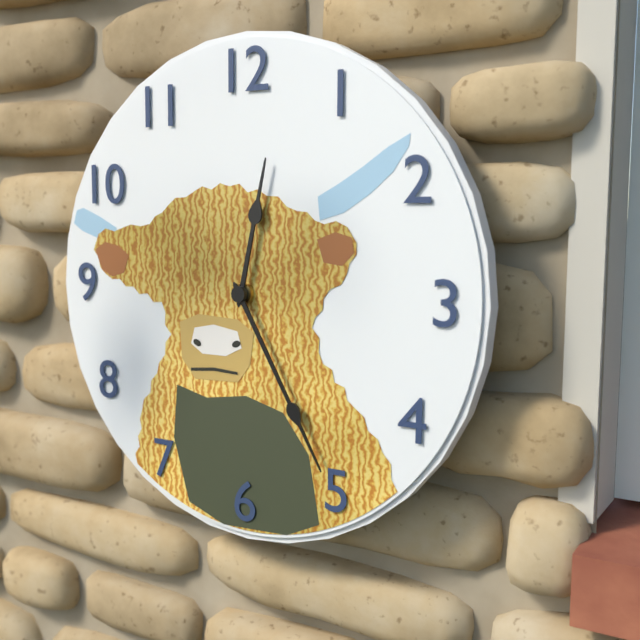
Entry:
12h25
